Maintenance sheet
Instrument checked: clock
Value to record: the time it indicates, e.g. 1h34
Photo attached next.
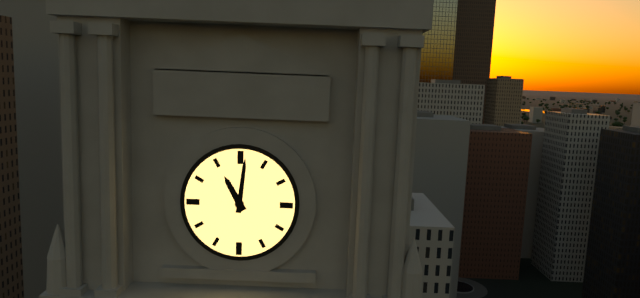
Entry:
11h01
